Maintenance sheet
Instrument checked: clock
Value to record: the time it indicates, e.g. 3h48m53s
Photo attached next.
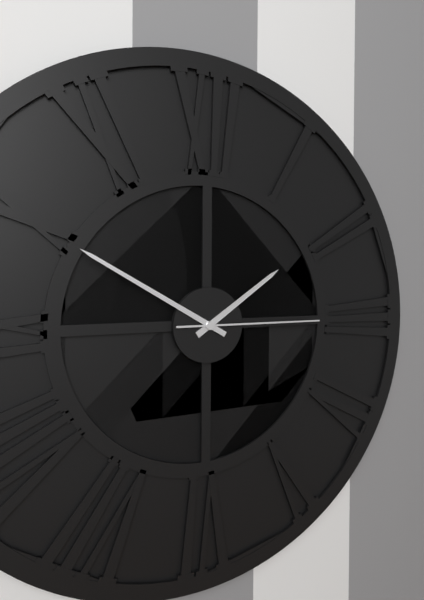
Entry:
1h50m15s
